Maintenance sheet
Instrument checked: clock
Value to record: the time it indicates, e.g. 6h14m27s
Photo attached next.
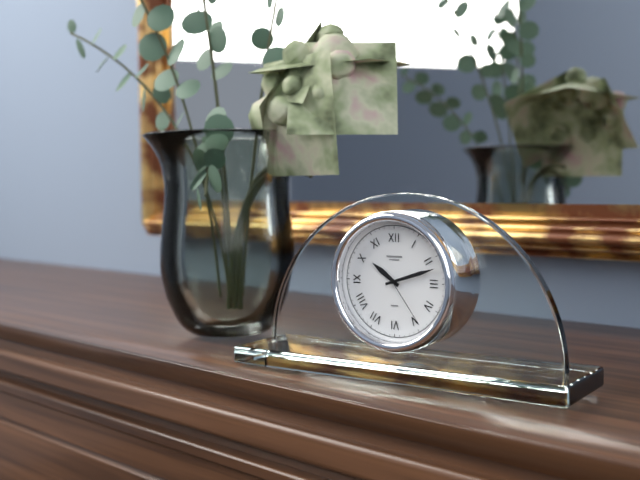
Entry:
10h12m24s
